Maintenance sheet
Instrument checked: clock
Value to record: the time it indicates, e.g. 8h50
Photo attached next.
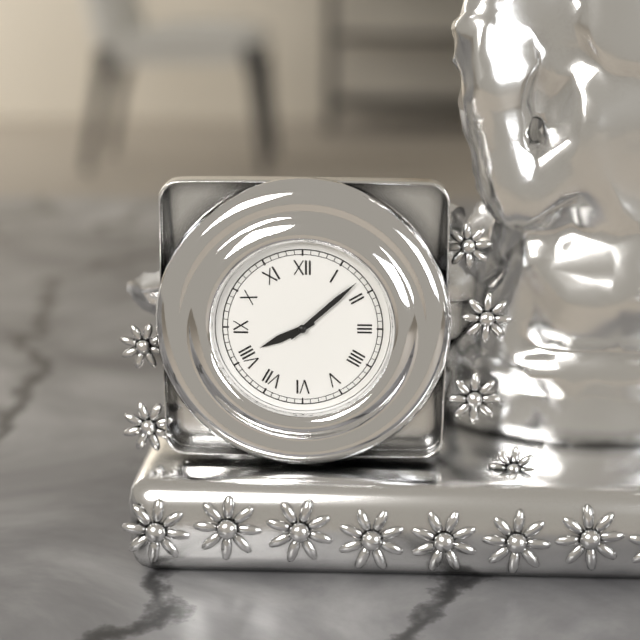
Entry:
8h08
